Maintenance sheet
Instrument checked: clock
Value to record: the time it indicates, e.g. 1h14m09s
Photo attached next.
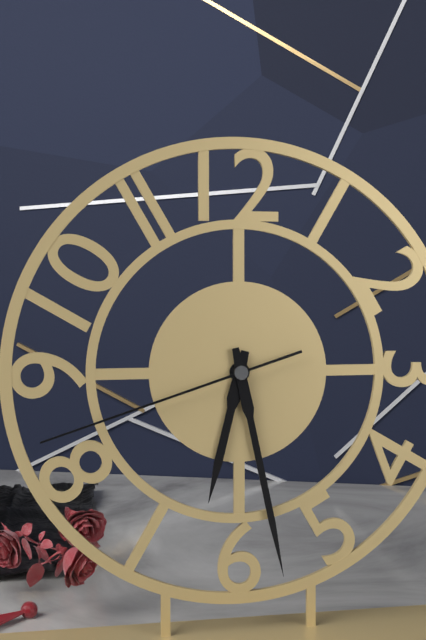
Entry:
6h28m42s
